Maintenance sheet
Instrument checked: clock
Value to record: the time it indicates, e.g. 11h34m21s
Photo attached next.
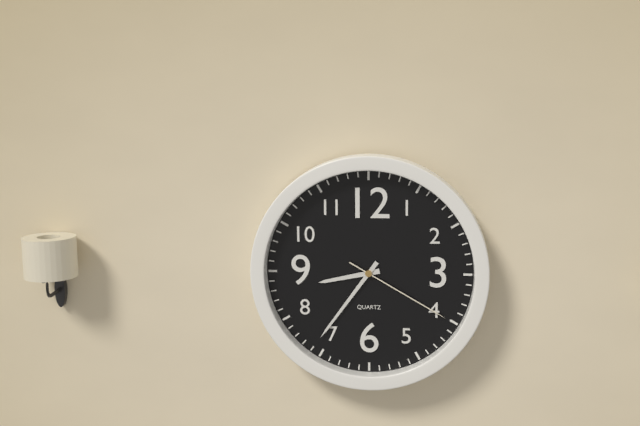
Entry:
8h36m20s
